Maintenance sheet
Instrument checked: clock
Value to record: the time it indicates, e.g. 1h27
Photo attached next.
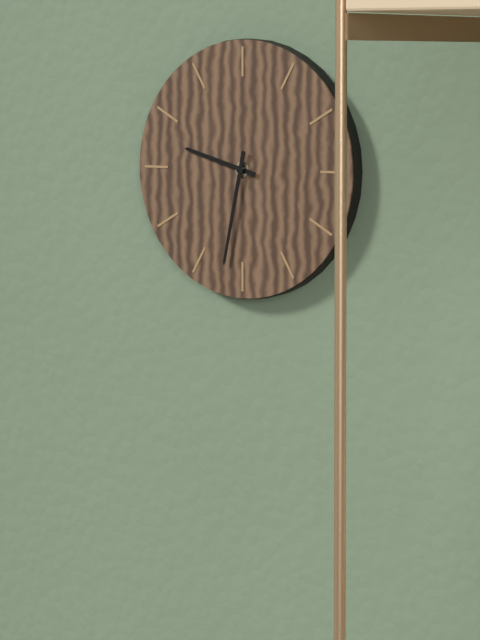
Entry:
9h32
